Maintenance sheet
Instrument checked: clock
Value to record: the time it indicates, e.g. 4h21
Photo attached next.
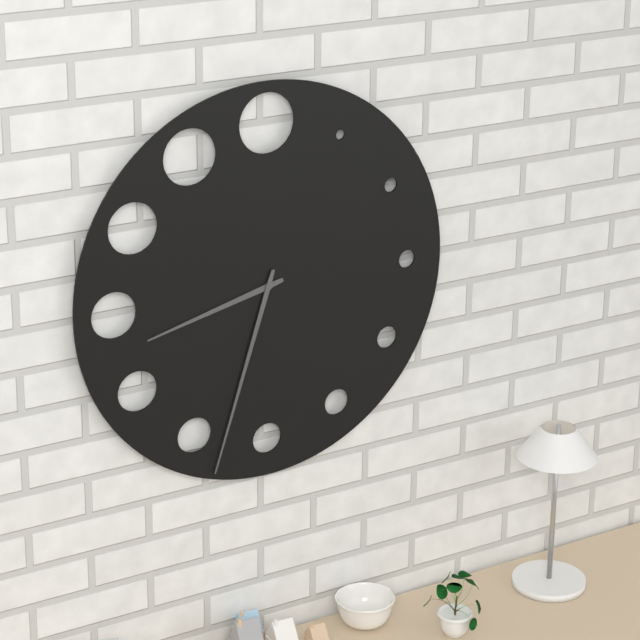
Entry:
8h33
